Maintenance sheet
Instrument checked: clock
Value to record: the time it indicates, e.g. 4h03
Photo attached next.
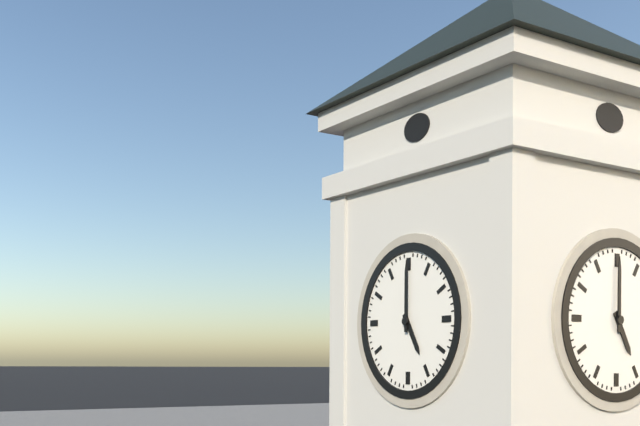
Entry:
5h00
